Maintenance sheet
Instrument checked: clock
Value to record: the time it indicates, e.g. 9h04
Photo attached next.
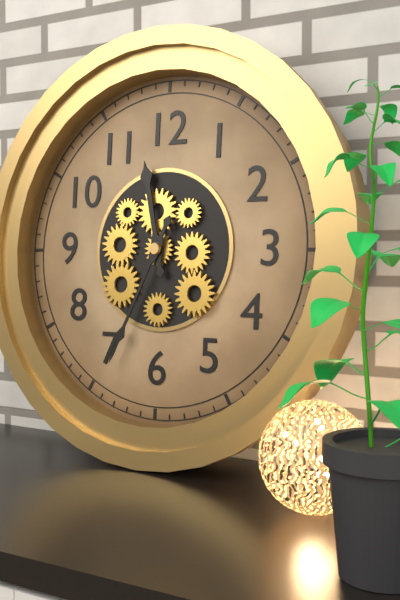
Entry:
11h34
